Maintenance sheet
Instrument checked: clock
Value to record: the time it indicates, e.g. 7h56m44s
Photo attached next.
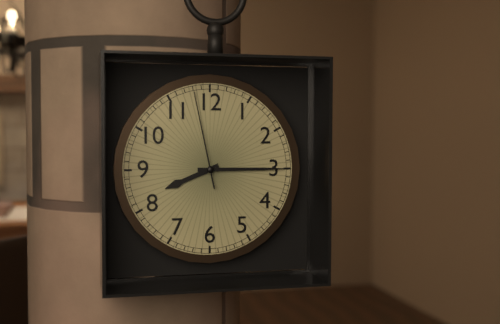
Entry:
8h15m58s
